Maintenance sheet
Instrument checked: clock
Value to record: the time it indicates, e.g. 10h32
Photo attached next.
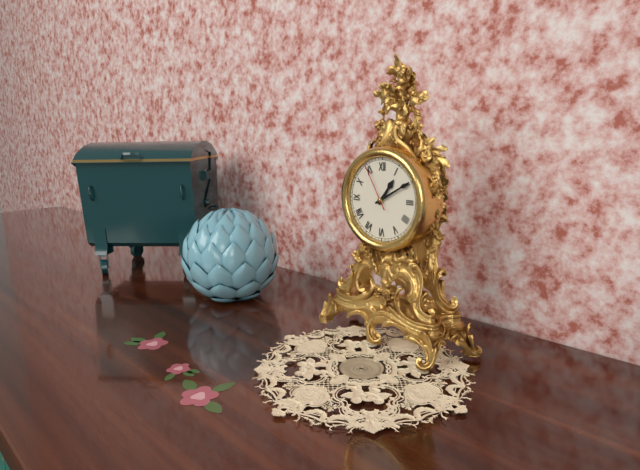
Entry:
1h10
